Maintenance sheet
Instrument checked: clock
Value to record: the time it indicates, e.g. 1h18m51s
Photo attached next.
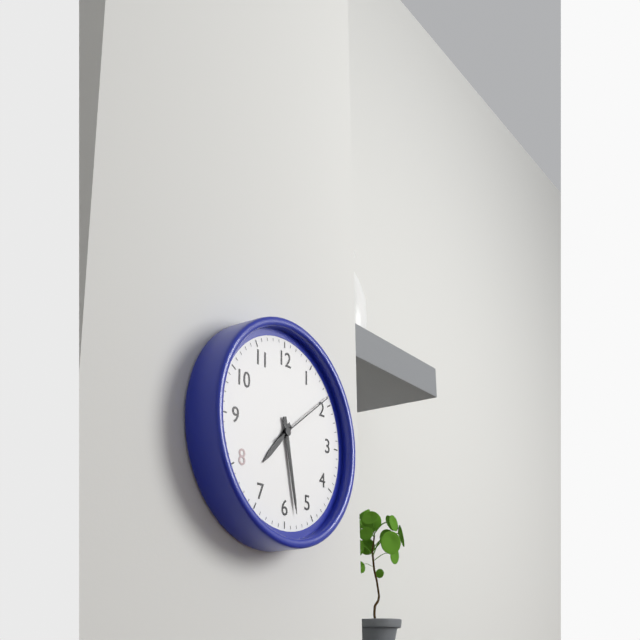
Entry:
7h28m09s
